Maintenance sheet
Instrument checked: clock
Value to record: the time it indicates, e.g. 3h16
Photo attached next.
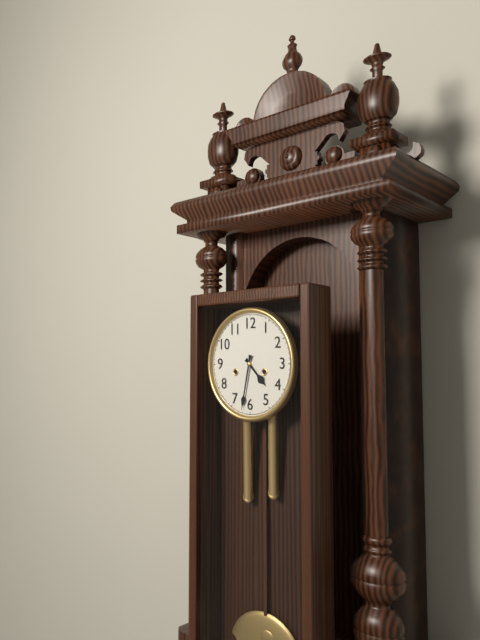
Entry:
4h32
